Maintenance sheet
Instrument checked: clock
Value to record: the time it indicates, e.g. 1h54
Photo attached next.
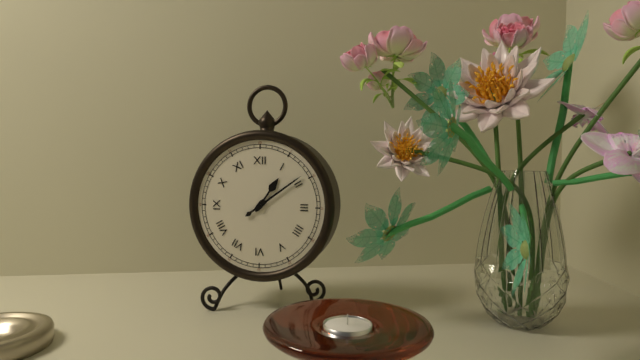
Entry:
1h09
